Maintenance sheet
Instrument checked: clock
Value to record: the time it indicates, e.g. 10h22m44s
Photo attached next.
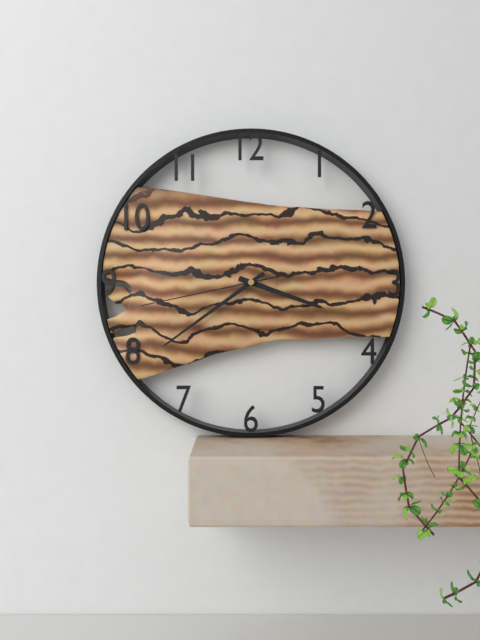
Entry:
3h39m43s
